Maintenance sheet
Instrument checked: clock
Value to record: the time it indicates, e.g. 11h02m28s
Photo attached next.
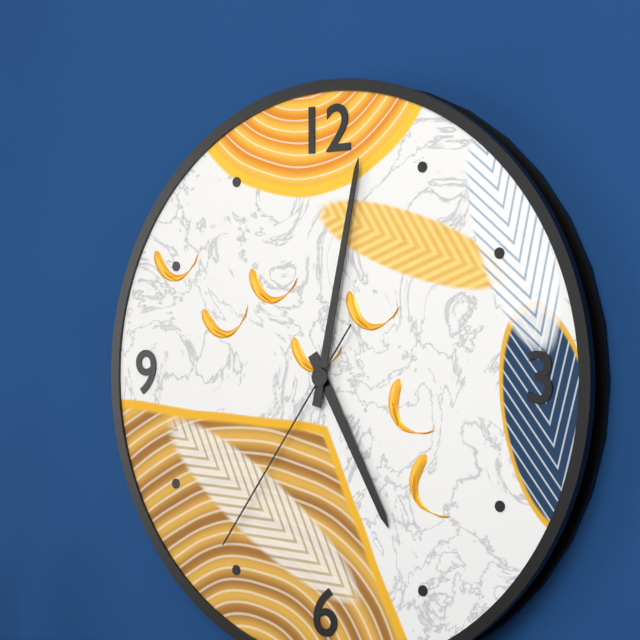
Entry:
5h02m36s
